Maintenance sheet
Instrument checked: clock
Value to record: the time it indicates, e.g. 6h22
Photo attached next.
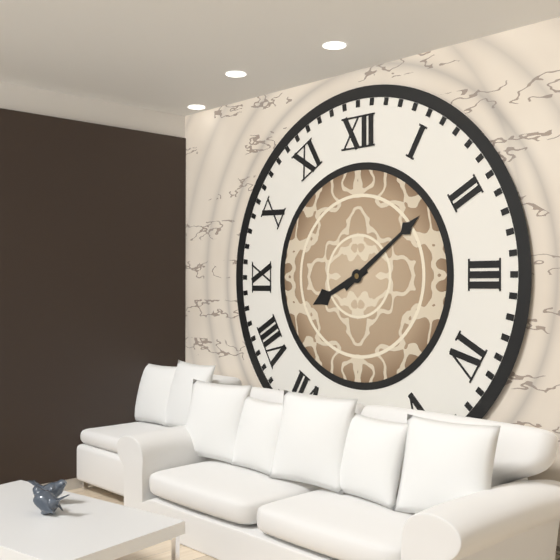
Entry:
8h09
